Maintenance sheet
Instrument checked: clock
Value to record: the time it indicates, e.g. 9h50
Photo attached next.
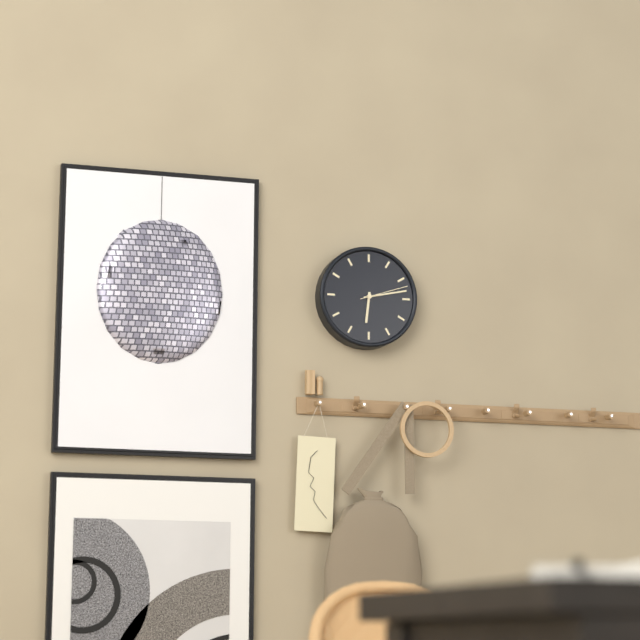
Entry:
6h13
